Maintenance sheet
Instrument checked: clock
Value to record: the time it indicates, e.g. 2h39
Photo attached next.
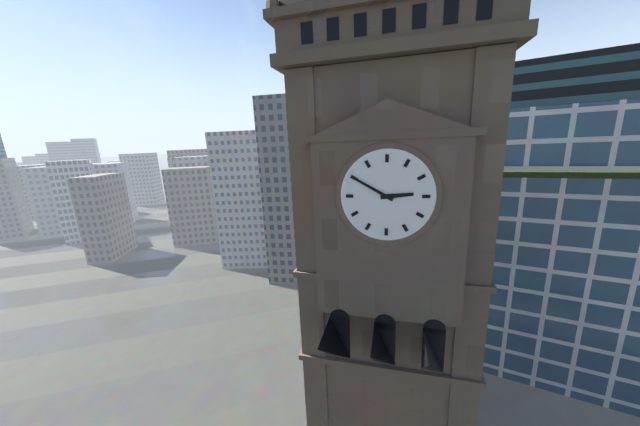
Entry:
2h50
